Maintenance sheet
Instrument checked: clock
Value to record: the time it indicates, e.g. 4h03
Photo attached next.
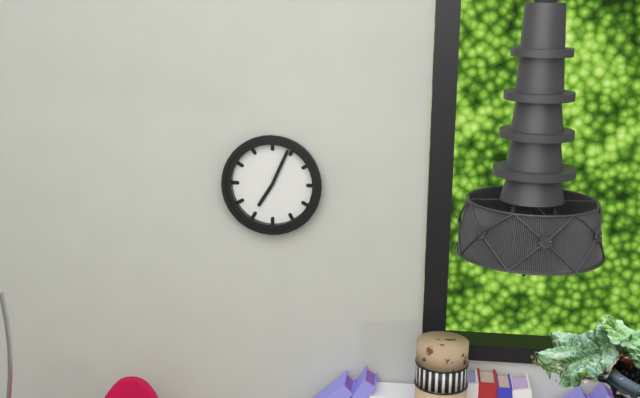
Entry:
7h04
